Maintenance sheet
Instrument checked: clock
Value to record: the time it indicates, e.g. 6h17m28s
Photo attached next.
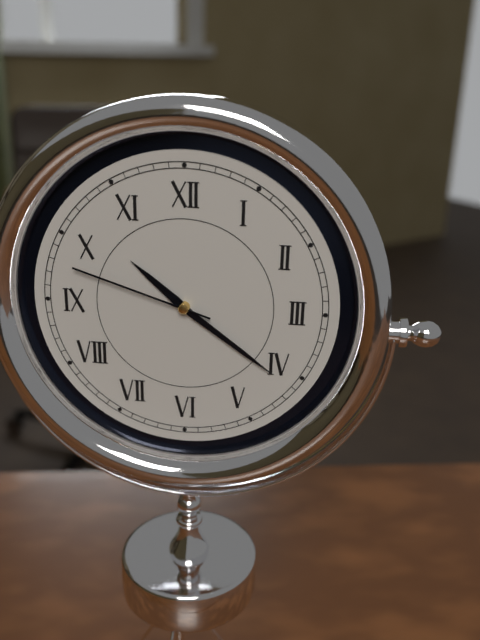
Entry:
10h21m48s
